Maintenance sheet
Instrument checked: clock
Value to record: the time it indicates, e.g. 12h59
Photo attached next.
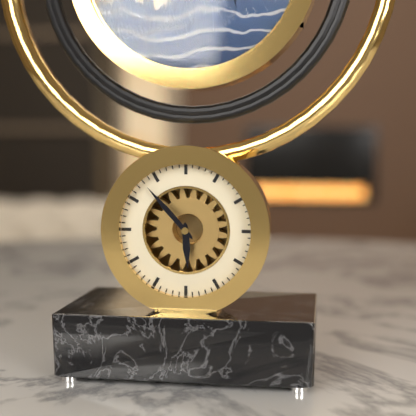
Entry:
5h53
